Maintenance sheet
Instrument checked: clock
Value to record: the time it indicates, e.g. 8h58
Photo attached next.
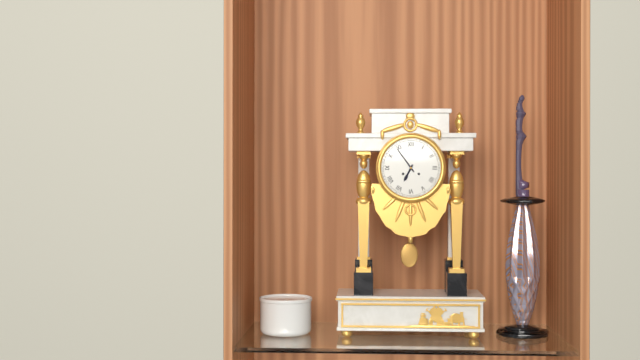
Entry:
6h54
